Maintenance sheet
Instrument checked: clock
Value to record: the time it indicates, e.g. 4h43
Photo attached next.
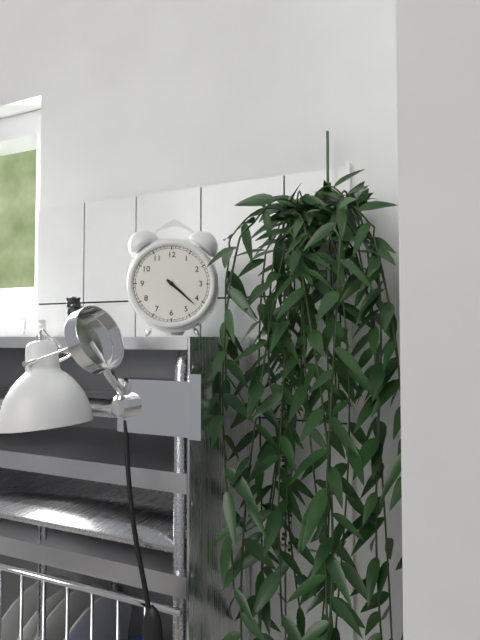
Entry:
4h22
